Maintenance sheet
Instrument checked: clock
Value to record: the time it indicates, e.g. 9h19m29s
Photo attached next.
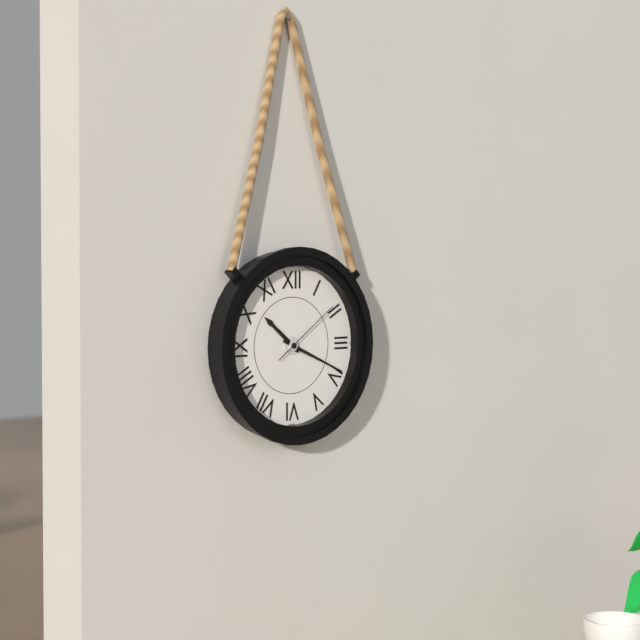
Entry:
10h19m09s
